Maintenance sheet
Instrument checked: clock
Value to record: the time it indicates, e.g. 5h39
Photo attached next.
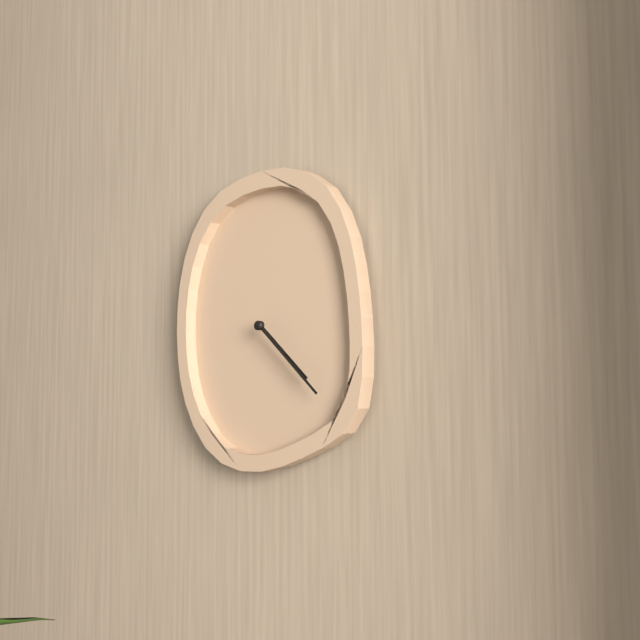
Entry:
4h22
